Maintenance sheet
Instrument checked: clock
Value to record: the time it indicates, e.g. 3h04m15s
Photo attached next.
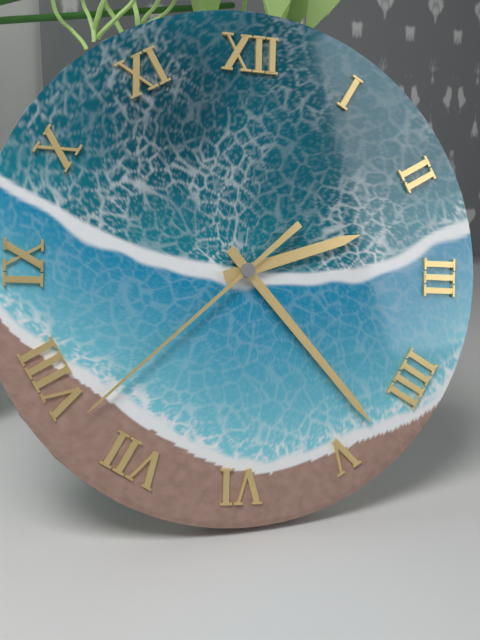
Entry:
2h23m38s
